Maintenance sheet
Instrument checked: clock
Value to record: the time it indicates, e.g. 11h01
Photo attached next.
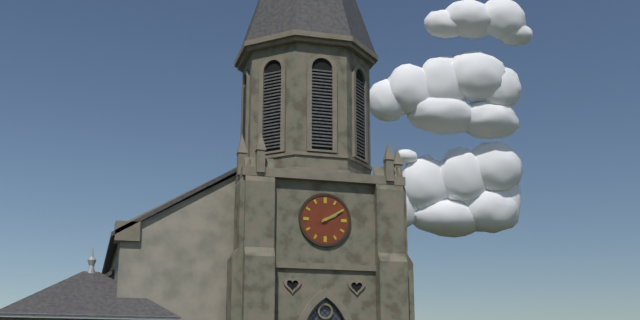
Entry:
2h10
